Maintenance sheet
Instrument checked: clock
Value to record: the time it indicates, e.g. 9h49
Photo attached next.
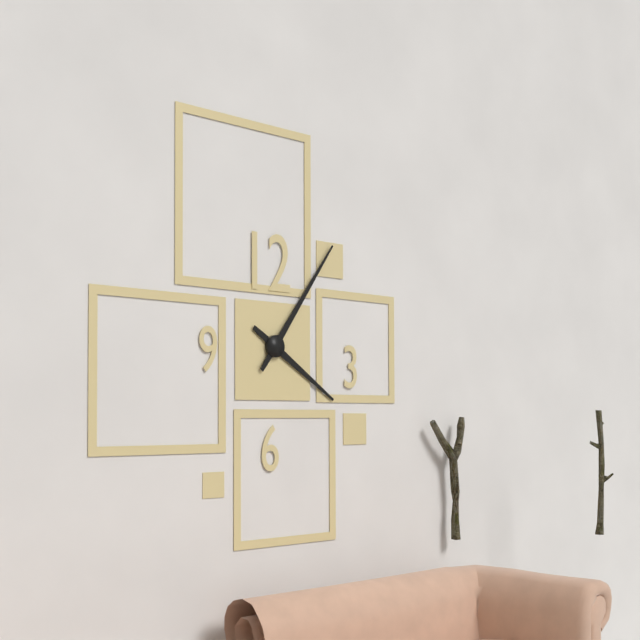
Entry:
4h06
